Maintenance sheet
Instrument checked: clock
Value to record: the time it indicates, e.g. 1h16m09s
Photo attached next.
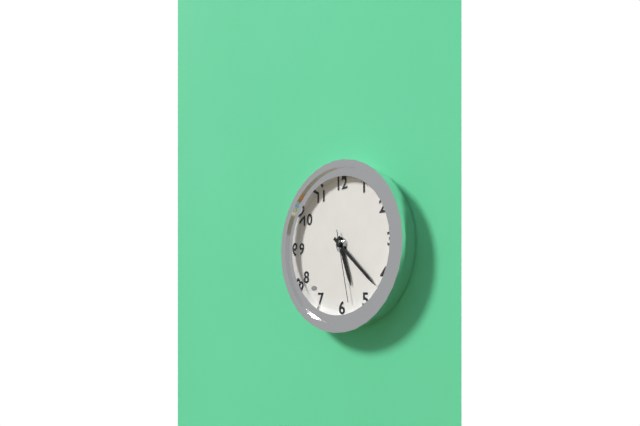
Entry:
5h22m28s
